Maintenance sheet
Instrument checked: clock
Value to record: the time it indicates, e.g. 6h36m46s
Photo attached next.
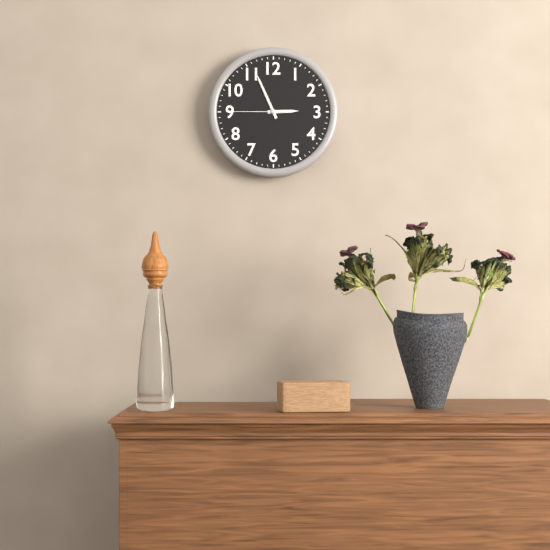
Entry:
2h56m45s
